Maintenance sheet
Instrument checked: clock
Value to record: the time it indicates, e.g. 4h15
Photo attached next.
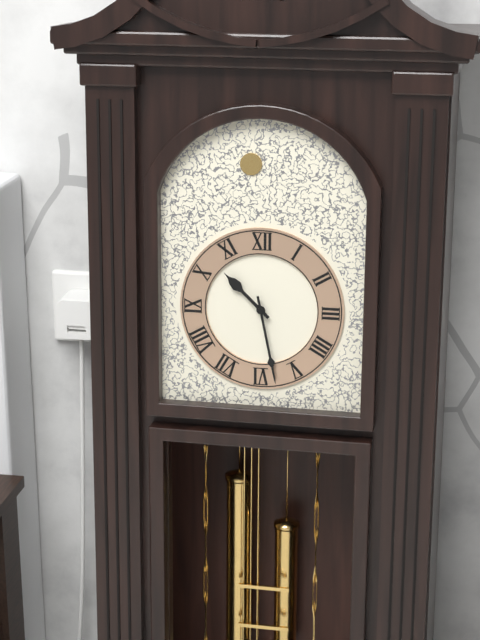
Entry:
10h28
